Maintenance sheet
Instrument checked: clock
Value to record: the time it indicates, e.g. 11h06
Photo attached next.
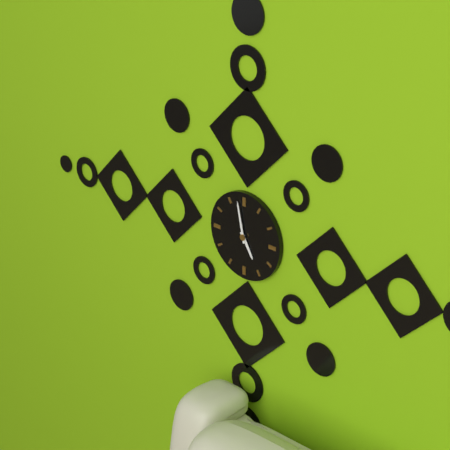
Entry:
4h58
